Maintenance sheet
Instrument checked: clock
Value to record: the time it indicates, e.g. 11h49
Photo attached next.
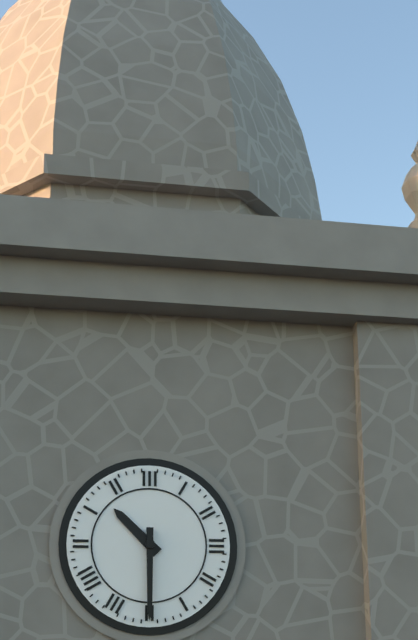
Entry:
10h30
